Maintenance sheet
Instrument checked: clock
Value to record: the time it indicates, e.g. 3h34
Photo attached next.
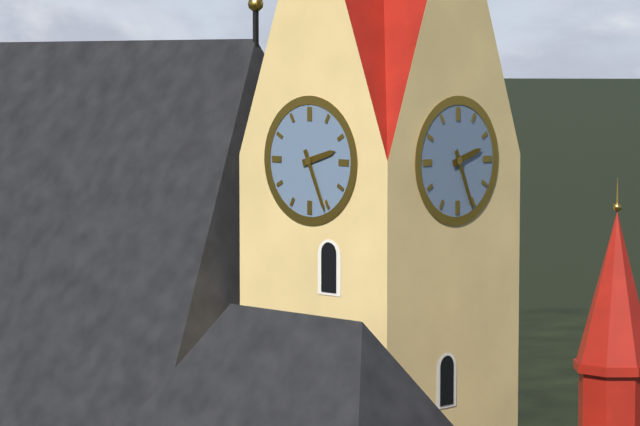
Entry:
2h26
